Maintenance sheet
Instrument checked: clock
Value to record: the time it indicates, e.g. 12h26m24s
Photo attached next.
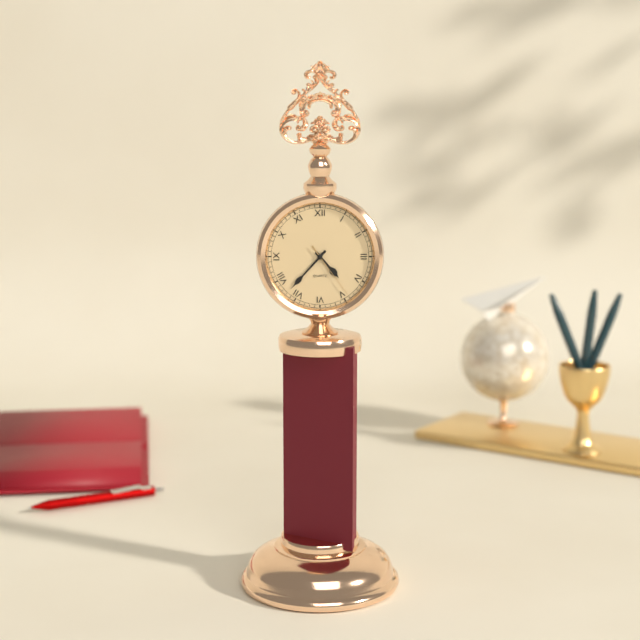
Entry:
4h37m24s
